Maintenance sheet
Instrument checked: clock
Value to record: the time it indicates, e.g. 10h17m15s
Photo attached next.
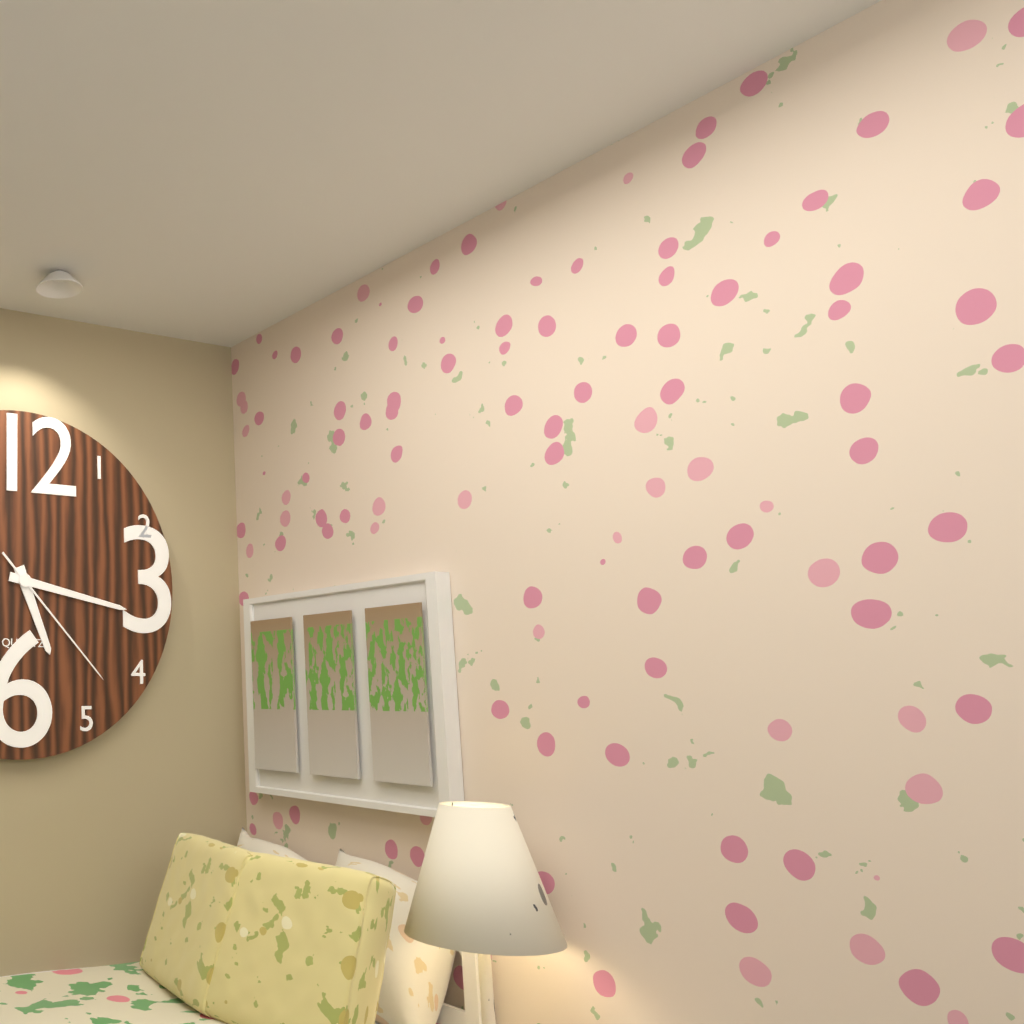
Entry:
5h17m23s
